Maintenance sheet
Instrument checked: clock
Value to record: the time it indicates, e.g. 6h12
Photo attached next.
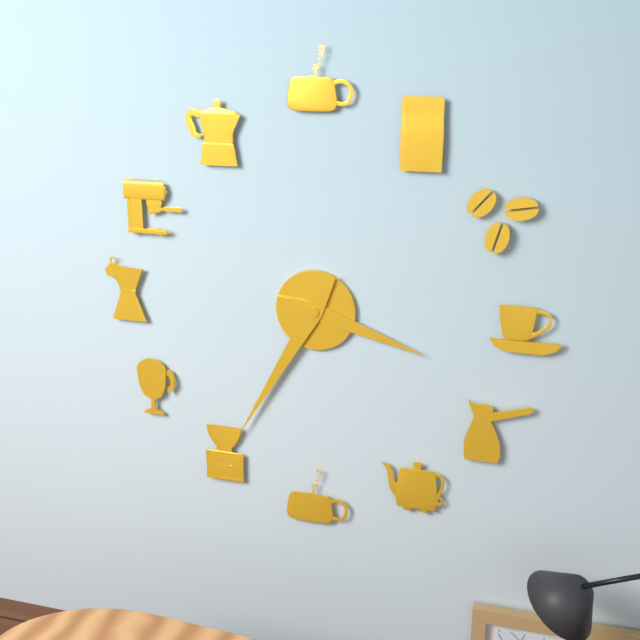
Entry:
3h35
